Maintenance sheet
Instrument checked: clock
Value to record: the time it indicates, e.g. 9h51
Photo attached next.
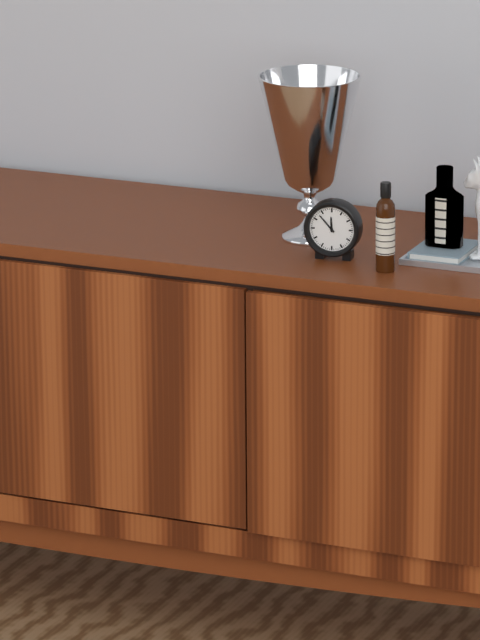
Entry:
11h53
